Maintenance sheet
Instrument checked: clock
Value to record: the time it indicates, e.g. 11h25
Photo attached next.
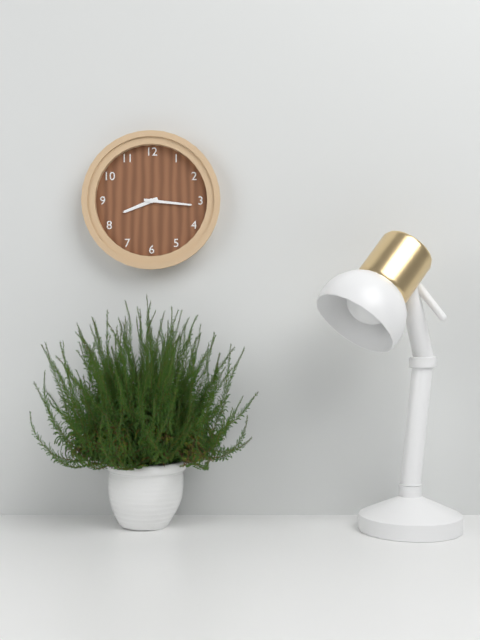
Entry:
8h16
